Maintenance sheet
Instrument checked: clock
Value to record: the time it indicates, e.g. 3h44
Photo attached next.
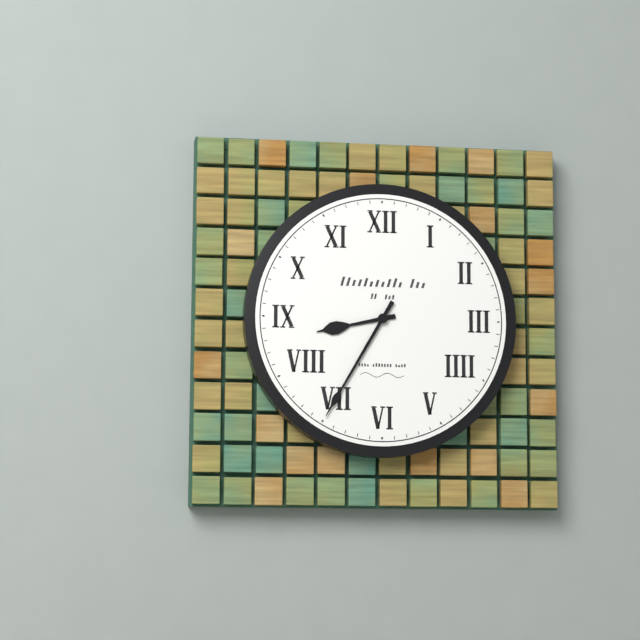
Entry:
8h35
